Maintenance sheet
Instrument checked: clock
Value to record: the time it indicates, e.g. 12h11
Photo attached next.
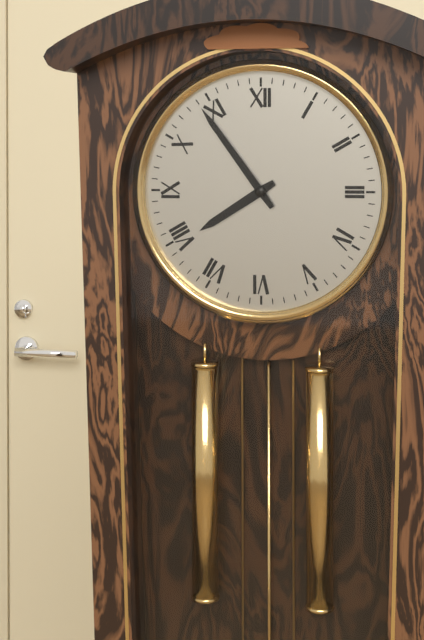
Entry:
7h54
